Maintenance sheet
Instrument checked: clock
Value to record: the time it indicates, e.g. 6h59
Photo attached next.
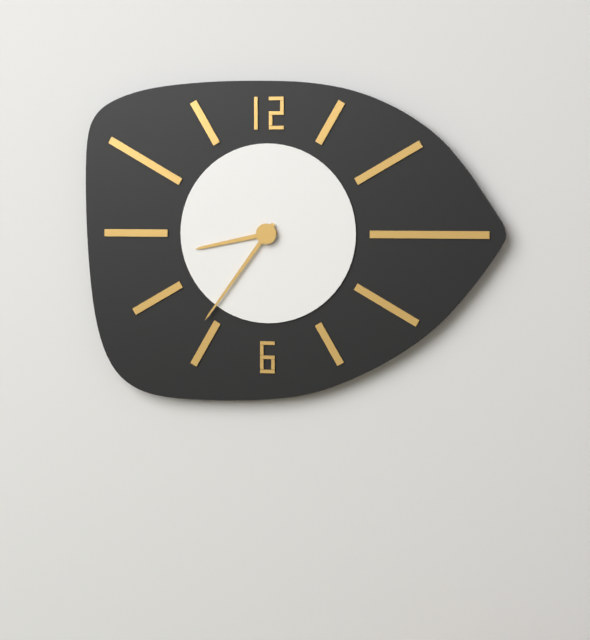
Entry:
8h36
